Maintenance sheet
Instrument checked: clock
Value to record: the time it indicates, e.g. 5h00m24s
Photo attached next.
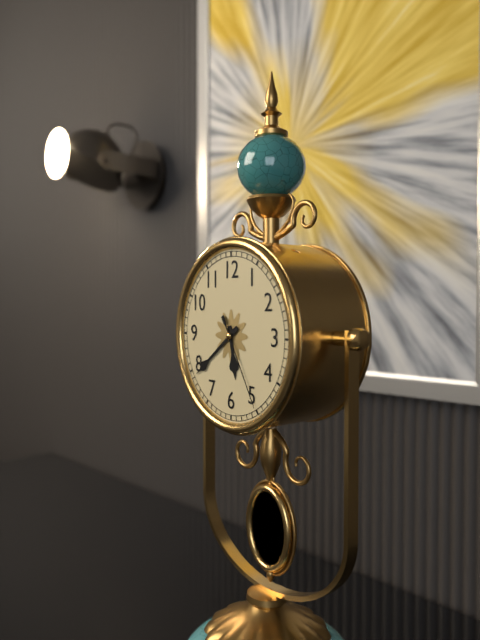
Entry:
5h39m25s
